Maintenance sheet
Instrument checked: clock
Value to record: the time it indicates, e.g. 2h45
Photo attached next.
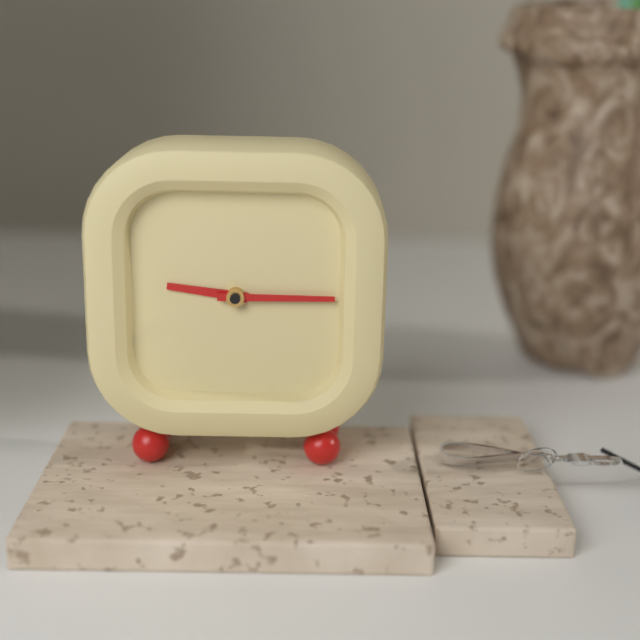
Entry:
9h15
